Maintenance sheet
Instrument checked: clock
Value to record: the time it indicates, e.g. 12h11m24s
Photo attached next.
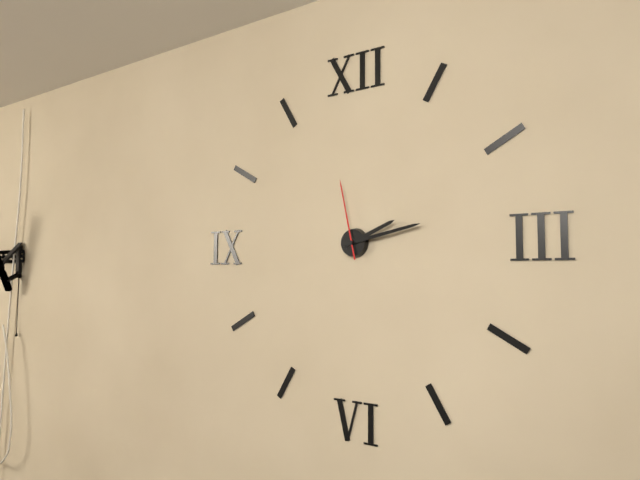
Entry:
2h13m58s
